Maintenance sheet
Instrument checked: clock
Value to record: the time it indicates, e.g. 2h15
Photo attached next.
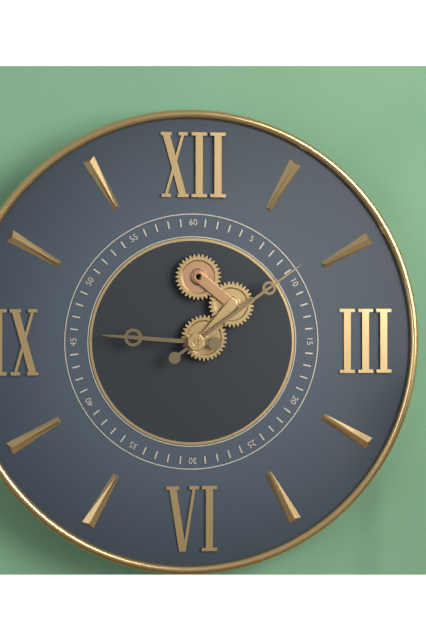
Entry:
9h09
